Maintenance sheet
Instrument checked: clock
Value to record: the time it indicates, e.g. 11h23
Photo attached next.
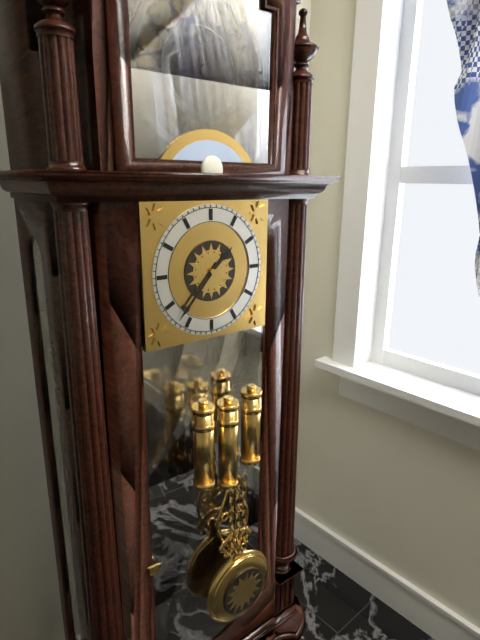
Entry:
1h37
